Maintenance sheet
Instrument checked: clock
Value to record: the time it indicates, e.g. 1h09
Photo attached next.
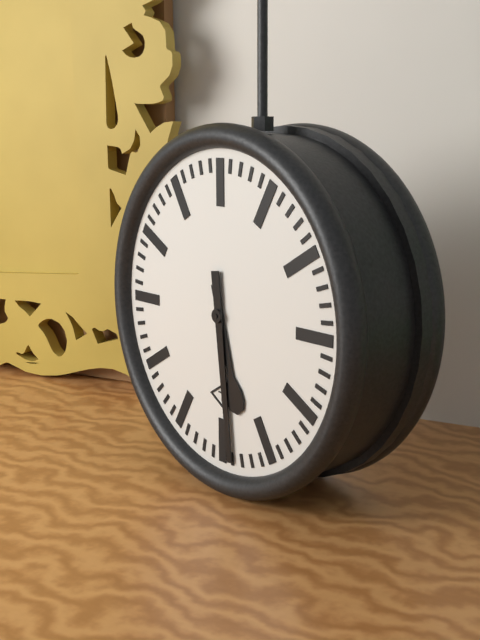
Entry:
5h29
